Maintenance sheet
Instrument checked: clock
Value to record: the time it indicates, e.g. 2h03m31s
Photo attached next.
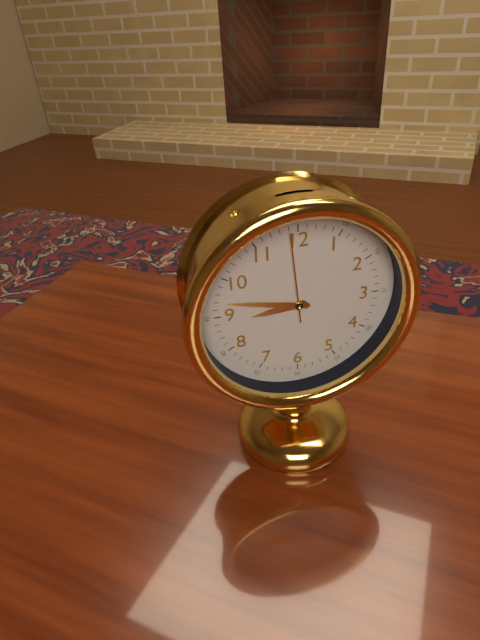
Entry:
8h47m59s
